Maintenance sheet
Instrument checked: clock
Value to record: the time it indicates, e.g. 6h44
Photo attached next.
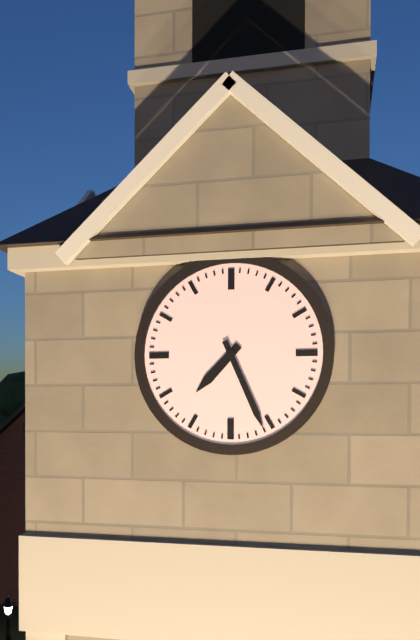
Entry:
7h26
